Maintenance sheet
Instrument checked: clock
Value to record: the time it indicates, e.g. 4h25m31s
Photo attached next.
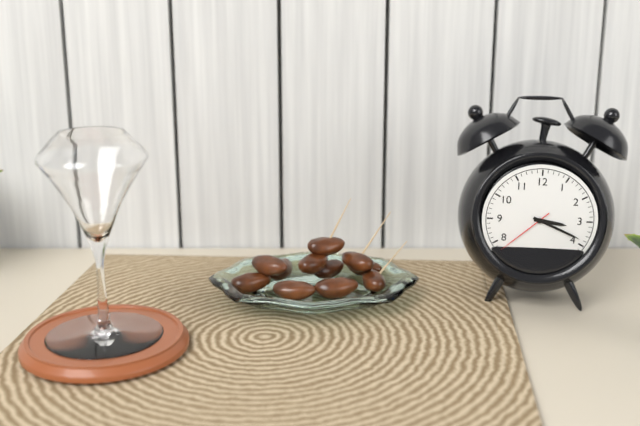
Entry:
3h19m38s
